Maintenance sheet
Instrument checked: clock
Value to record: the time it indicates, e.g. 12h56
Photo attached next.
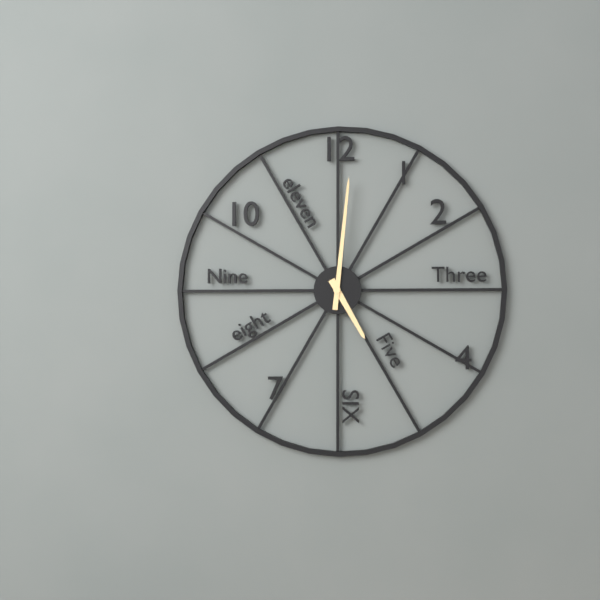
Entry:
5h01
